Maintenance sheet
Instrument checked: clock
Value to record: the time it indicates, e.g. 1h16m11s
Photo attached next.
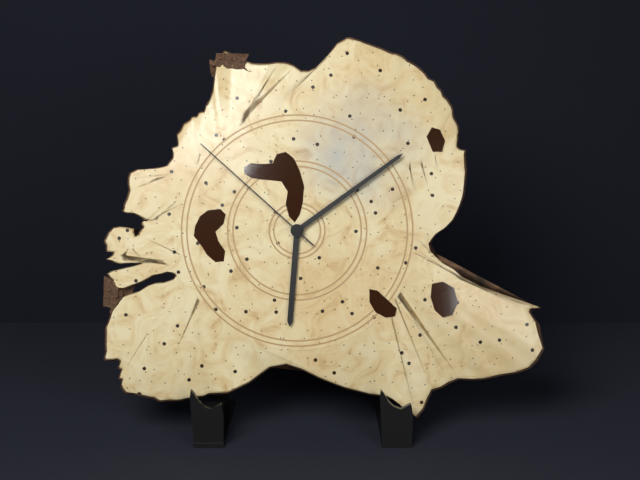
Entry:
6h09m52s
